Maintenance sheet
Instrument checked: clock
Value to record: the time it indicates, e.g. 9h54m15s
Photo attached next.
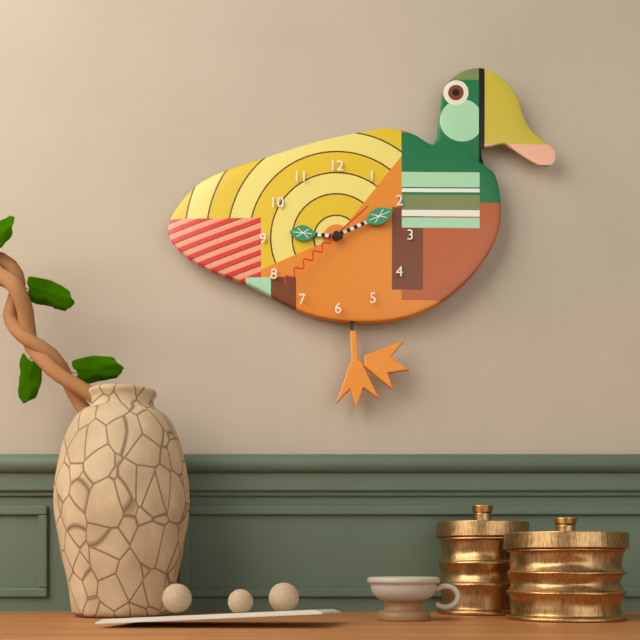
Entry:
9h11m38s
